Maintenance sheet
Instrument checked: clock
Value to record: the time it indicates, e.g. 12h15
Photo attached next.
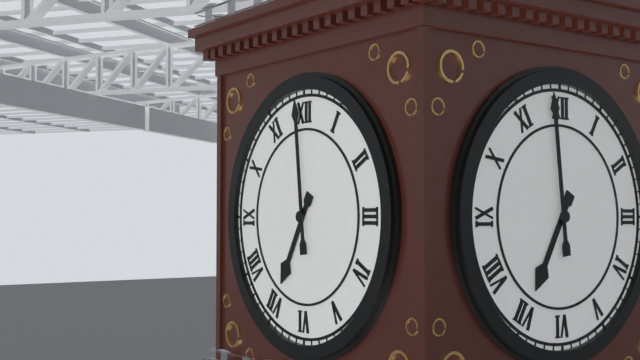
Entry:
6h59
